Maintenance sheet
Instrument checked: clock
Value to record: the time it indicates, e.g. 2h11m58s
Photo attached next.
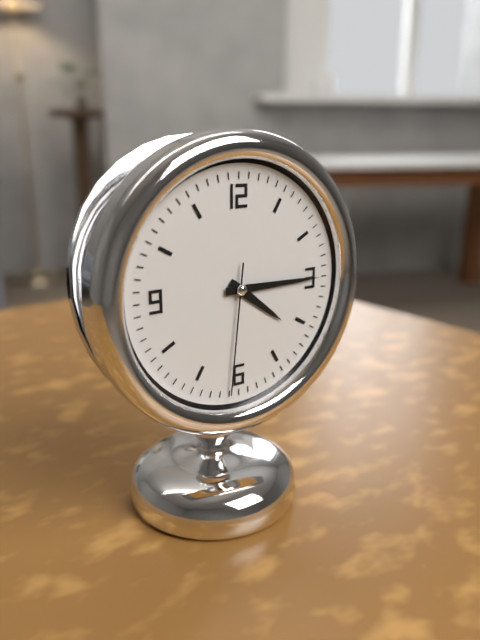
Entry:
4h15m31s
